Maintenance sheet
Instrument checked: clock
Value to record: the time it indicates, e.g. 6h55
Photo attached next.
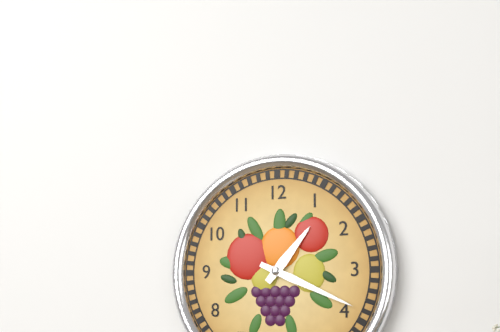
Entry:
1h19
